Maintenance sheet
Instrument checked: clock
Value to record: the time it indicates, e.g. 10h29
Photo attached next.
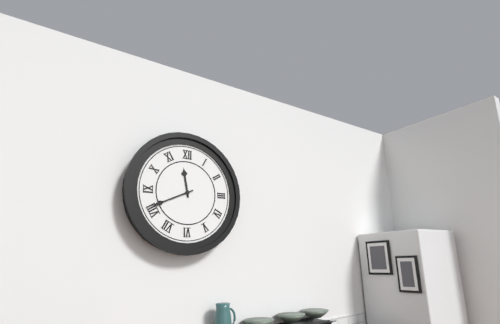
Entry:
11h41
